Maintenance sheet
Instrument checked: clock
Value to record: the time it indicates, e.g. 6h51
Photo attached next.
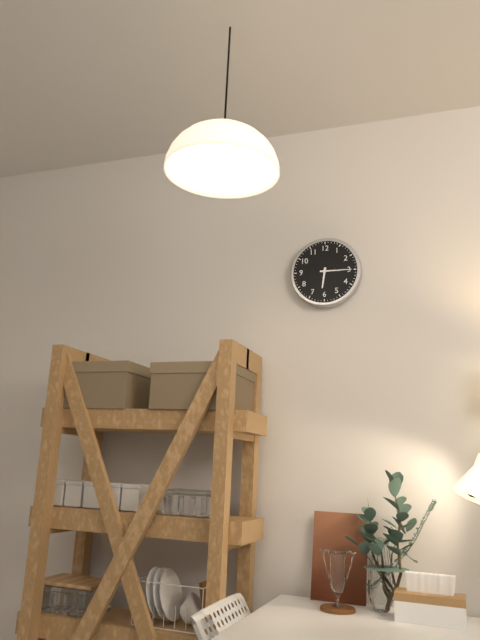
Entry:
6h15
